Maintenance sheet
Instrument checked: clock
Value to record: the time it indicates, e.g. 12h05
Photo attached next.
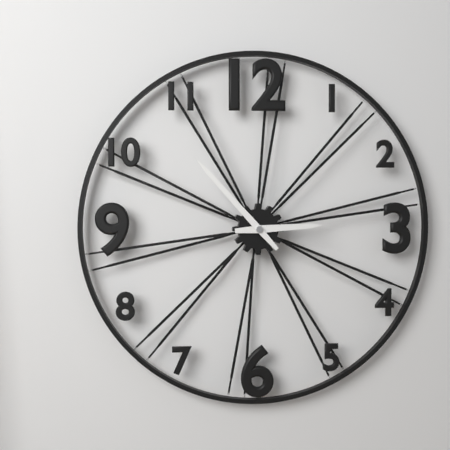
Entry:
2h53
